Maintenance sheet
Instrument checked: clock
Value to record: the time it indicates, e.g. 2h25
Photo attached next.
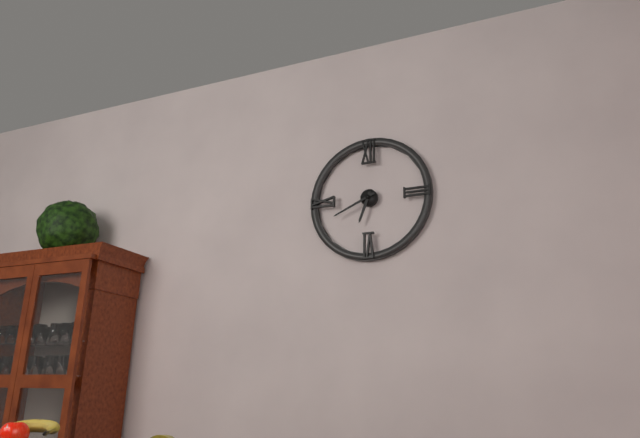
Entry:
6h41
